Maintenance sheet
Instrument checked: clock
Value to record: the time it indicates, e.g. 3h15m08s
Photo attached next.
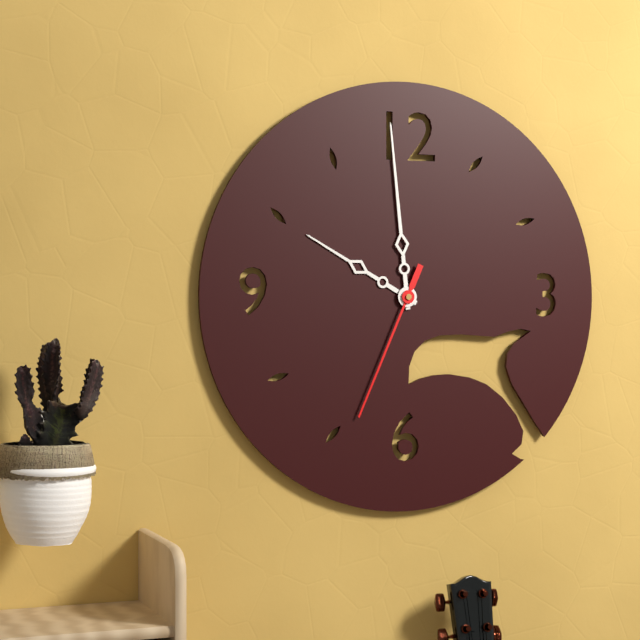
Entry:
9h59m34s
